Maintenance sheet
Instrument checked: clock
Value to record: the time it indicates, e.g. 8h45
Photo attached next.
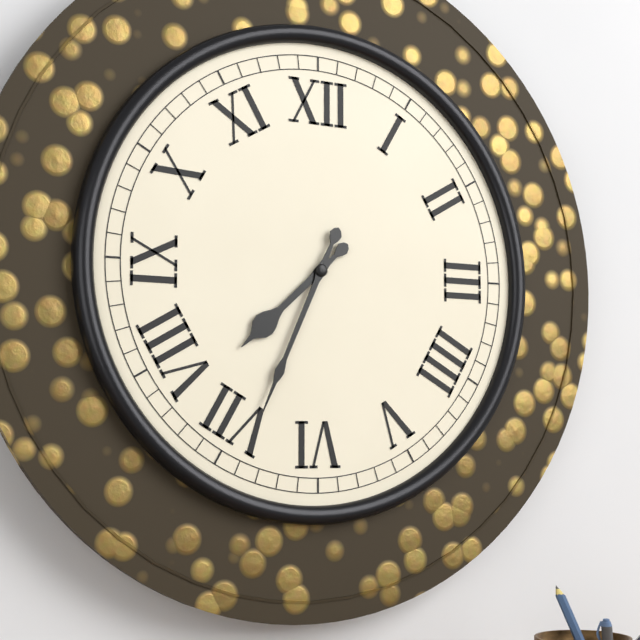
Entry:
7h34
